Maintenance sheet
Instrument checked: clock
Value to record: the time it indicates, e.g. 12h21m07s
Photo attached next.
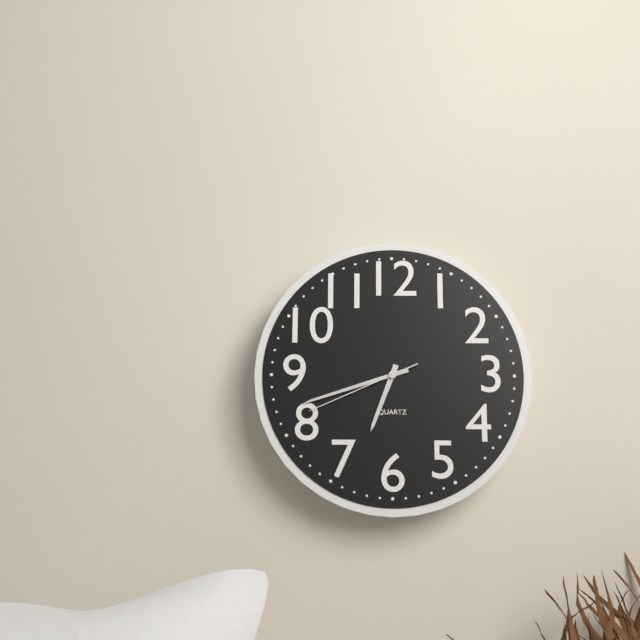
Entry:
6h42m41s
